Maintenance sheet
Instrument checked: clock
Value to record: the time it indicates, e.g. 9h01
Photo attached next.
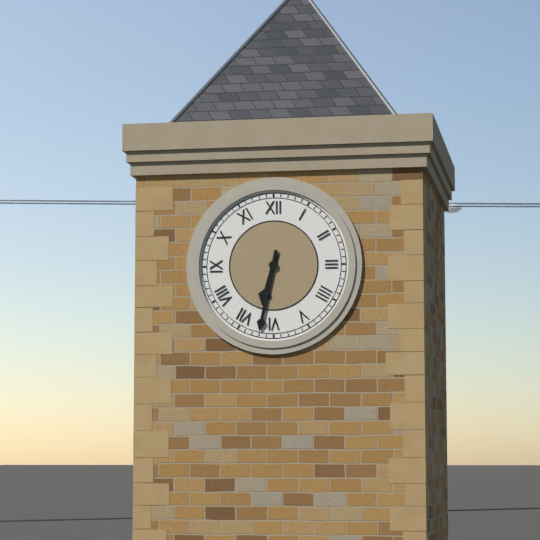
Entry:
6h32
